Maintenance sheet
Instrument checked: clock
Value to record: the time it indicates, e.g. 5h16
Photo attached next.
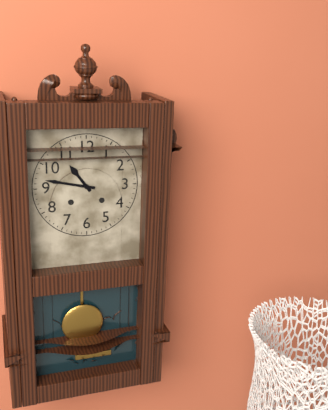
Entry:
10h47
